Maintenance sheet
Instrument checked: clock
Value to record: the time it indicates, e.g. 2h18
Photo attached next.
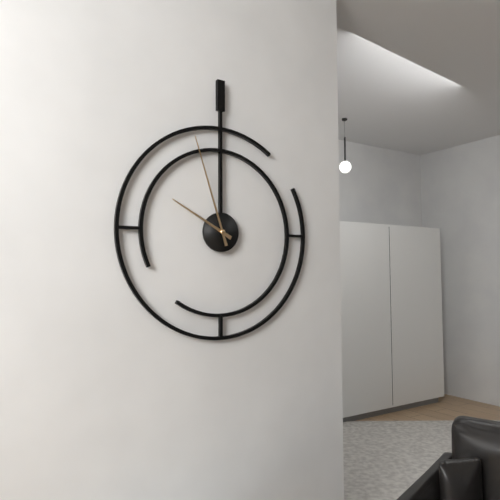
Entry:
9h57
